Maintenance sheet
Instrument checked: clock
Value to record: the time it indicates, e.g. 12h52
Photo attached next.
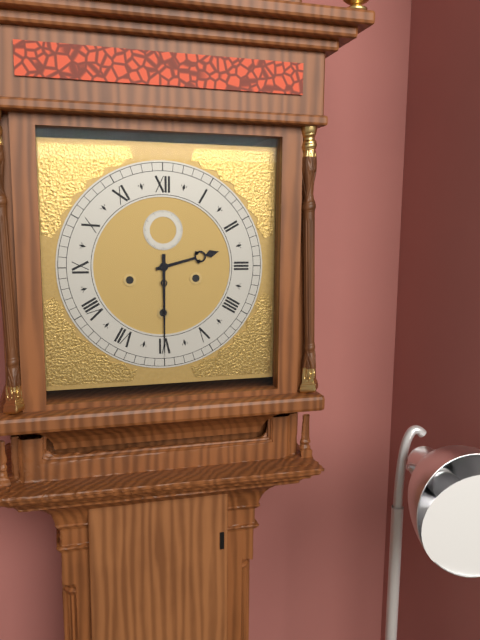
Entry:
2h30
